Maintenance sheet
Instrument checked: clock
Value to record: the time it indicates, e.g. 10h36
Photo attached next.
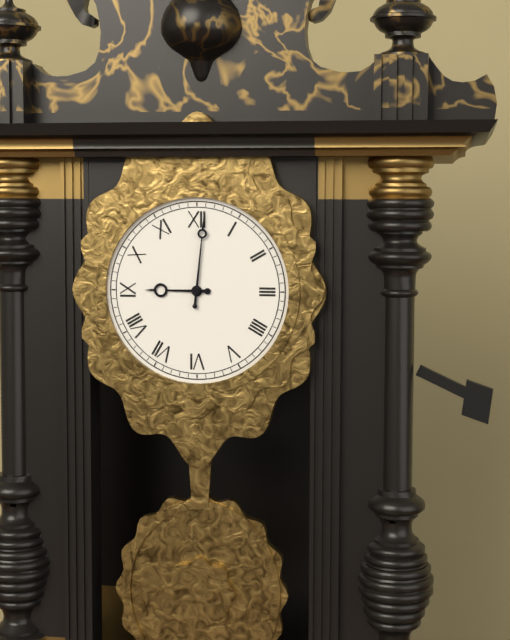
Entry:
9h01
